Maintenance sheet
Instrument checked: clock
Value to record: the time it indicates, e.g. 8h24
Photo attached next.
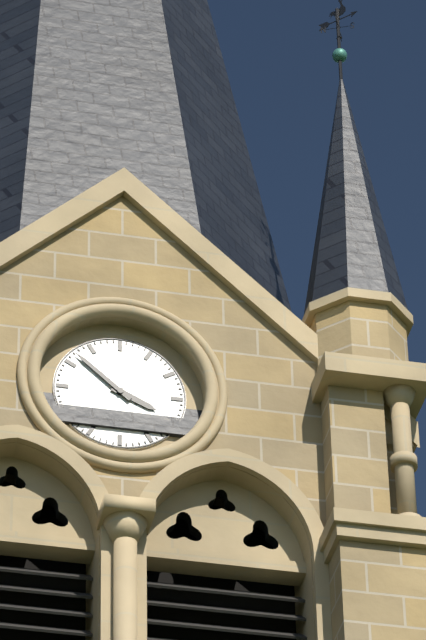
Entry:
3h52
